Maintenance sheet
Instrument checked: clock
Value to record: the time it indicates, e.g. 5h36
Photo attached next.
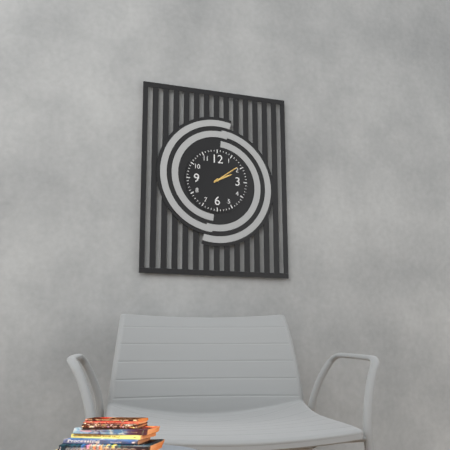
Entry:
2h09
